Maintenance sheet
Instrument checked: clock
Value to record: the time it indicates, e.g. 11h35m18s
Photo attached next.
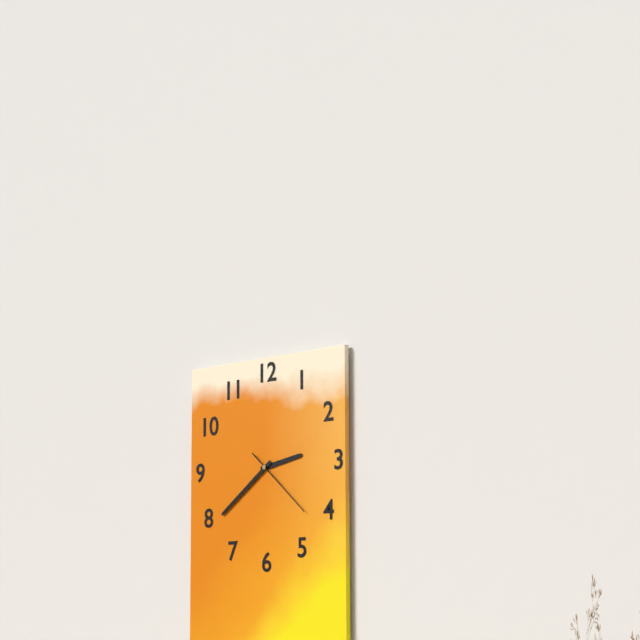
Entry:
2h39m22s
